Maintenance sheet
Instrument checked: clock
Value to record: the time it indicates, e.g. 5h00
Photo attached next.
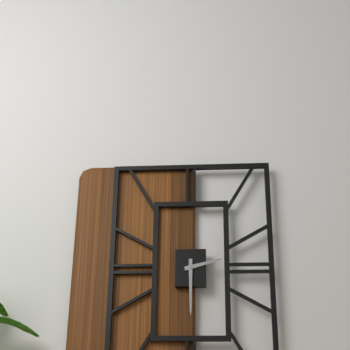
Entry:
2h30
